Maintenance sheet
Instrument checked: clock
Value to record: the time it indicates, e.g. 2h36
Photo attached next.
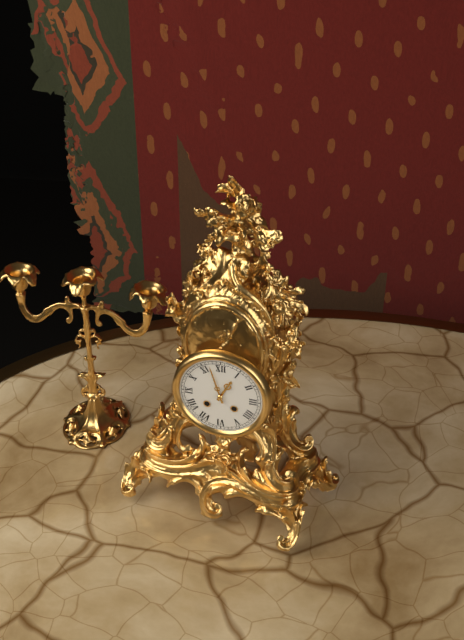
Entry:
12h57
